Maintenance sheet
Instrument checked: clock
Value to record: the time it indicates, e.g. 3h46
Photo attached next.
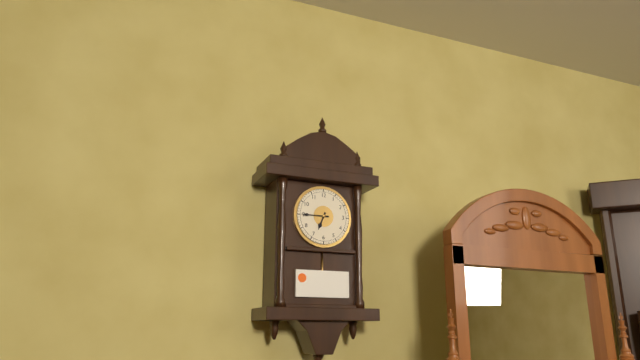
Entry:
6h45
